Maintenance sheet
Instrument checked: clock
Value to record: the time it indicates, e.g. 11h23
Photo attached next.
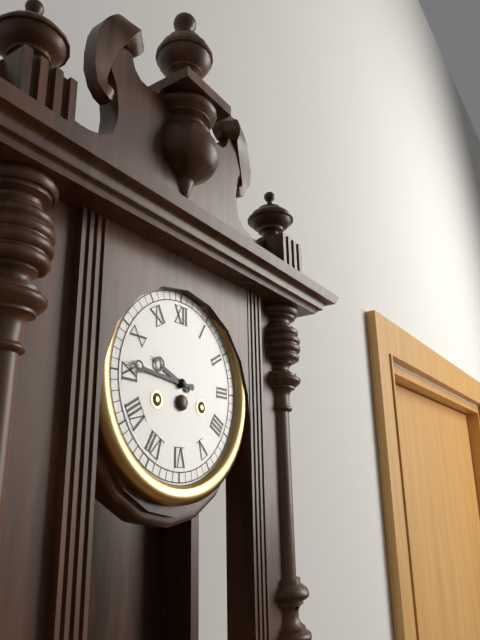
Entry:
9h46
